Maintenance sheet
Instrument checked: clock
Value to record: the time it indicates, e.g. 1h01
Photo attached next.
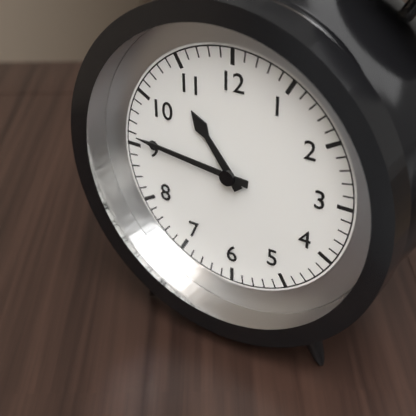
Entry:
10h46
